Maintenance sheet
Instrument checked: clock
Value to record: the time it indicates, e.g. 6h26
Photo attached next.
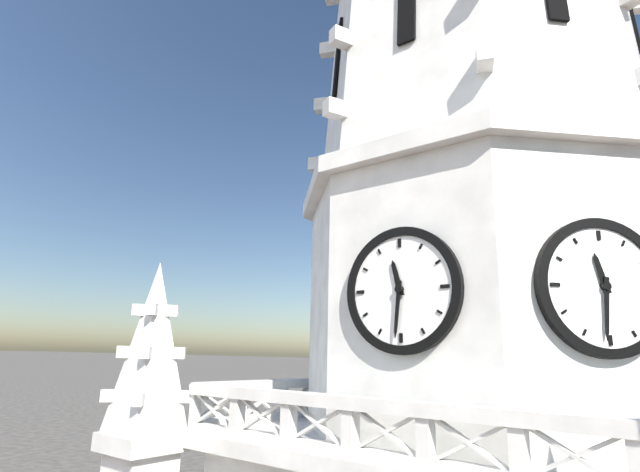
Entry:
11h31
